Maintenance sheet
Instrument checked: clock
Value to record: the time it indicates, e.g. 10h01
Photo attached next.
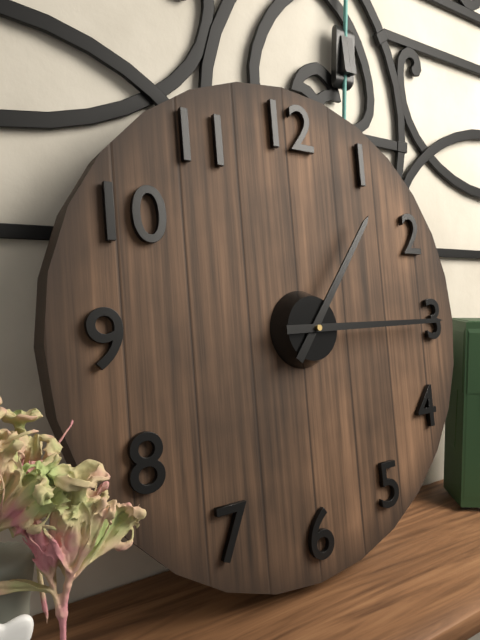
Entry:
1h15
